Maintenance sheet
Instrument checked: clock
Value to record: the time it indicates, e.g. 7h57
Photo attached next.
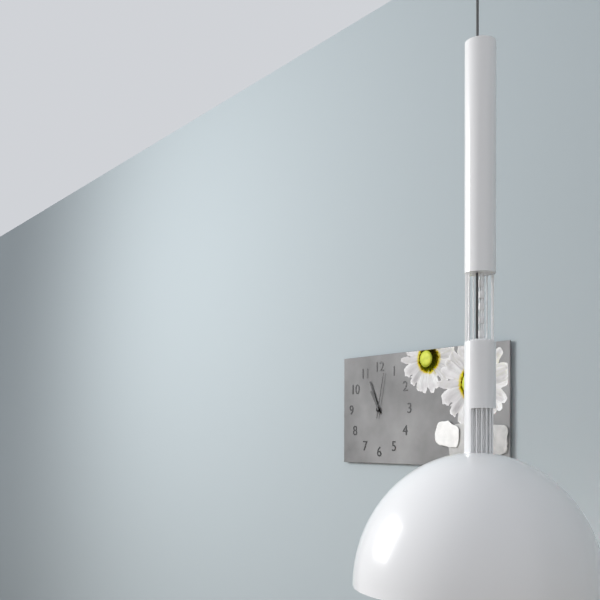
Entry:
10h56
